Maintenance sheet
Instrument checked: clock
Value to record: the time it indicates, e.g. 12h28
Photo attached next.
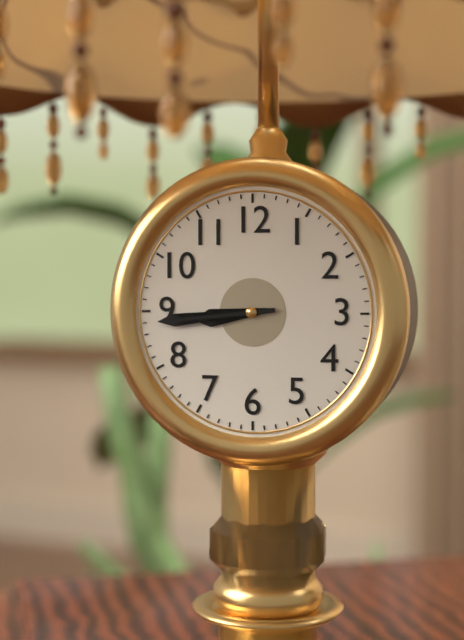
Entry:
8h44
